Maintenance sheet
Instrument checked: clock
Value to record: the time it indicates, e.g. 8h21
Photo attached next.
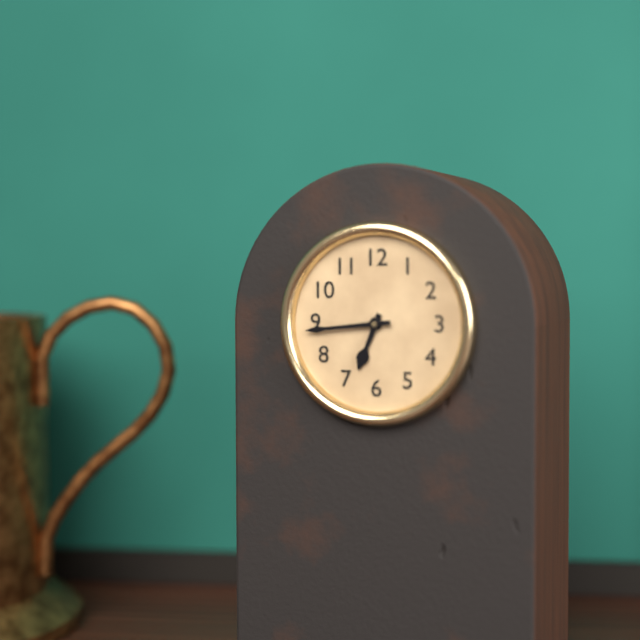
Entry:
6h44
